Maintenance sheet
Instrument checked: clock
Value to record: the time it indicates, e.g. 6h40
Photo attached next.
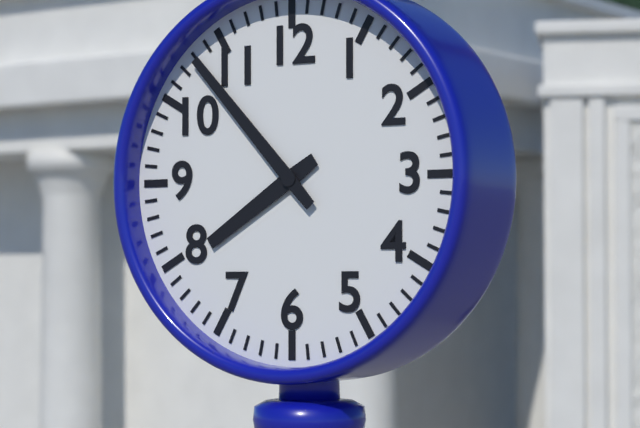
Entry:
7h53
